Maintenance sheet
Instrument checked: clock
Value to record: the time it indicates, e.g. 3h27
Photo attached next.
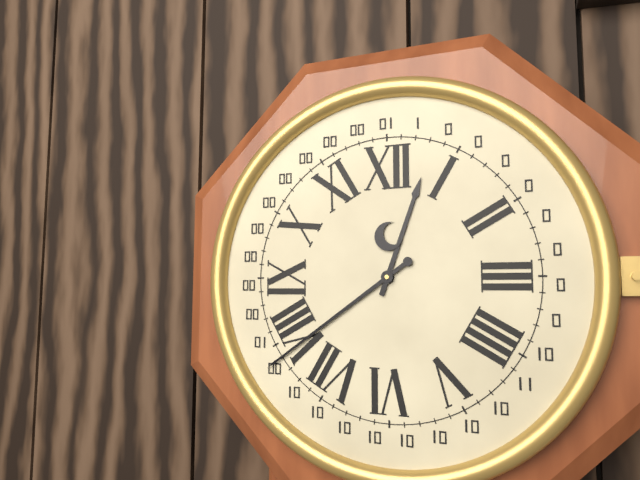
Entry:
12h39
